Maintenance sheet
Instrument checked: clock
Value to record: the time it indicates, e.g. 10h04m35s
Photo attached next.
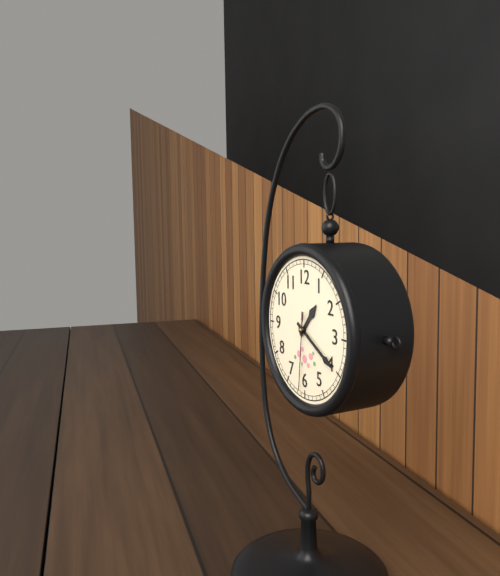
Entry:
1h20m31s
